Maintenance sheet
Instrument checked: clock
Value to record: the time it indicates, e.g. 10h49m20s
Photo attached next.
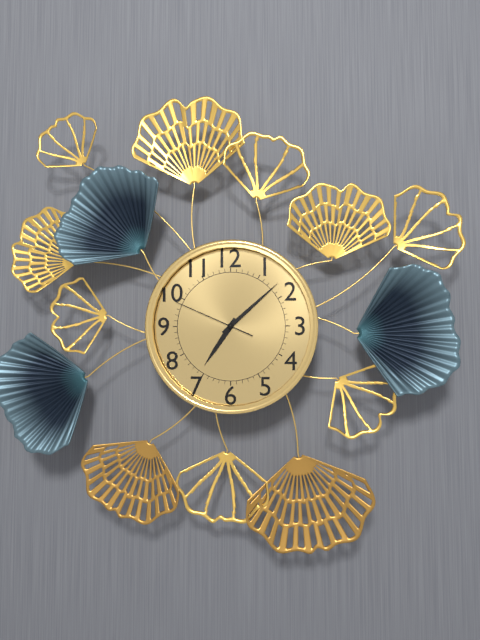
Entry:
7h08m49s
